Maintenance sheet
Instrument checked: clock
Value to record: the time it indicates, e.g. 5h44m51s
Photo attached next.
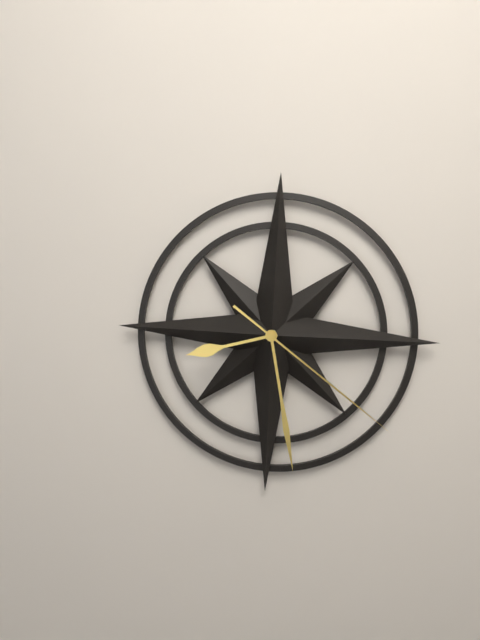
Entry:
8h28m21s
